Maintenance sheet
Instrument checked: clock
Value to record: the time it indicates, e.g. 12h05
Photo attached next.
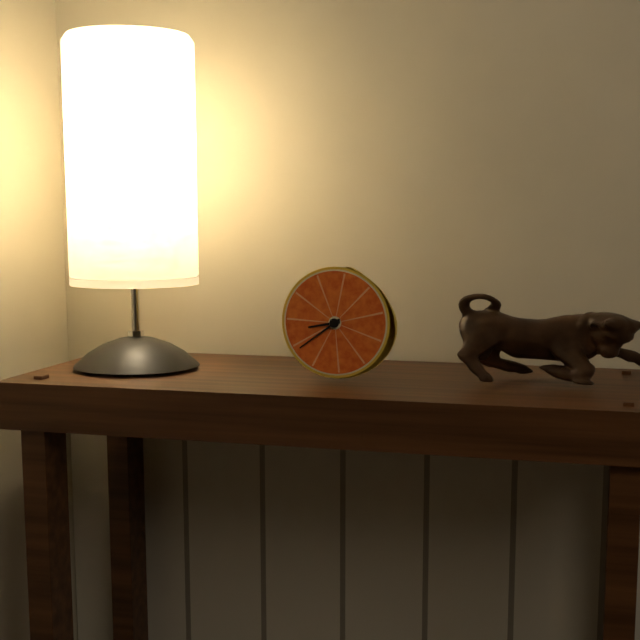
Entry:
8h39
